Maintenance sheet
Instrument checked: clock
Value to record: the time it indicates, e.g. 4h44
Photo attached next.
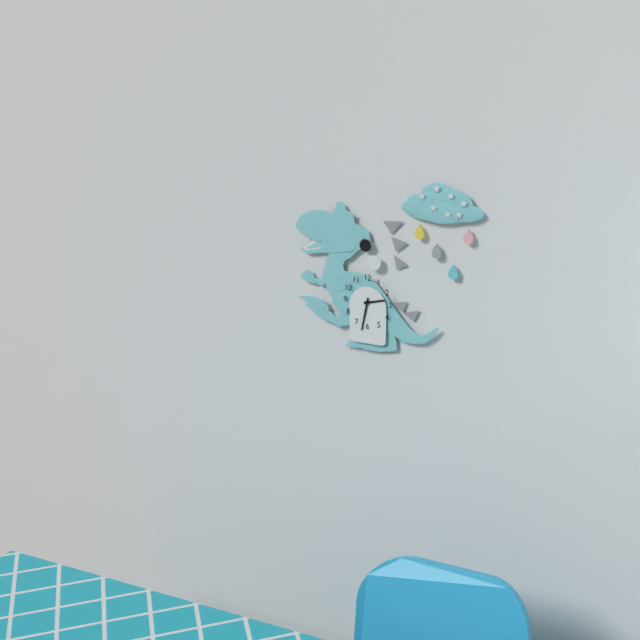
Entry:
2h32
